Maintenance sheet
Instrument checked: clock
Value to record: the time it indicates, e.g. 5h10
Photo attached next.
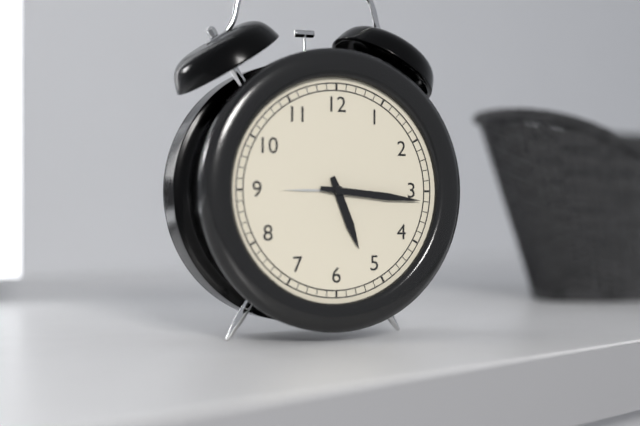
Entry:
5h16
